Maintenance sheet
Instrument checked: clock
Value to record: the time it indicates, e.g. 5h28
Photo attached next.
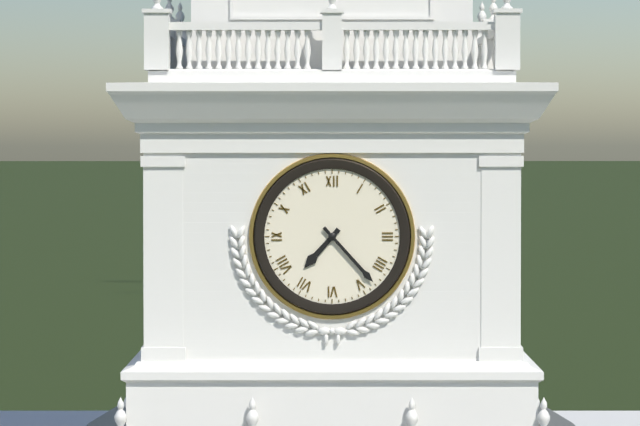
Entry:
7h23
